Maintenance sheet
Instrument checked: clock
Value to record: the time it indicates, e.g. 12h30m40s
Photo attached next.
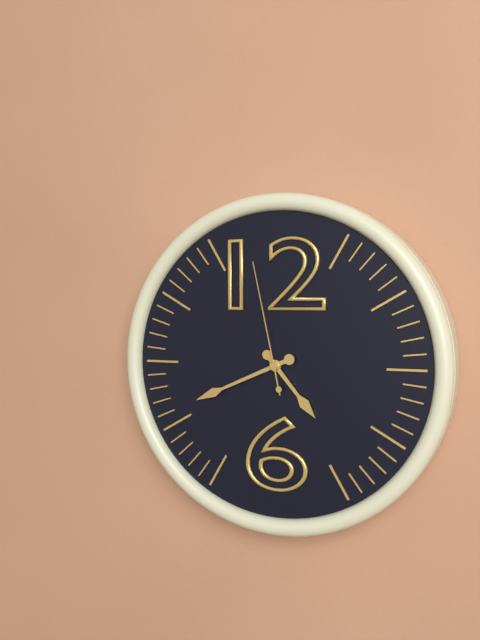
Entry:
4h41m58s
